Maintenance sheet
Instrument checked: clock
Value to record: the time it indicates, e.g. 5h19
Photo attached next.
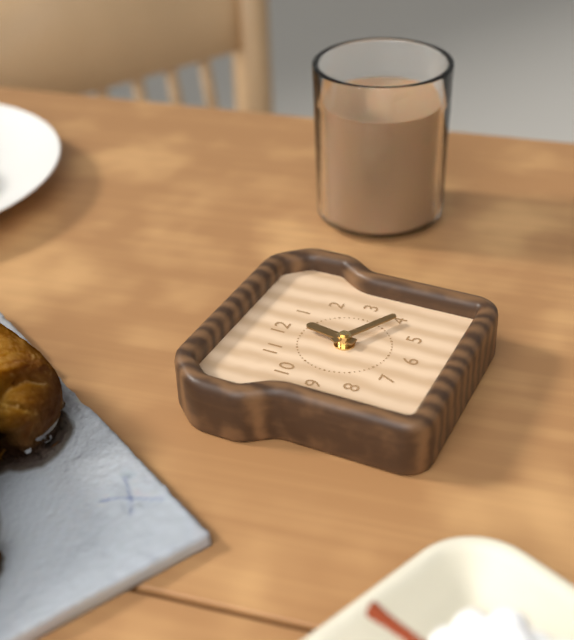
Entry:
12h20
